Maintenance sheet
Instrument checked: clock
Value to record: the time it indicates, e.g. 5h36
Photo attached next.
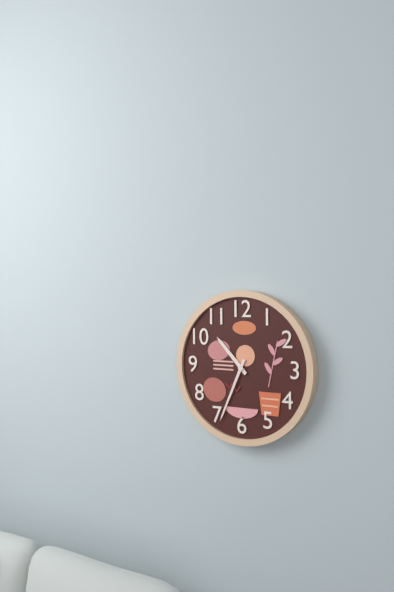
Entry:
10h34
